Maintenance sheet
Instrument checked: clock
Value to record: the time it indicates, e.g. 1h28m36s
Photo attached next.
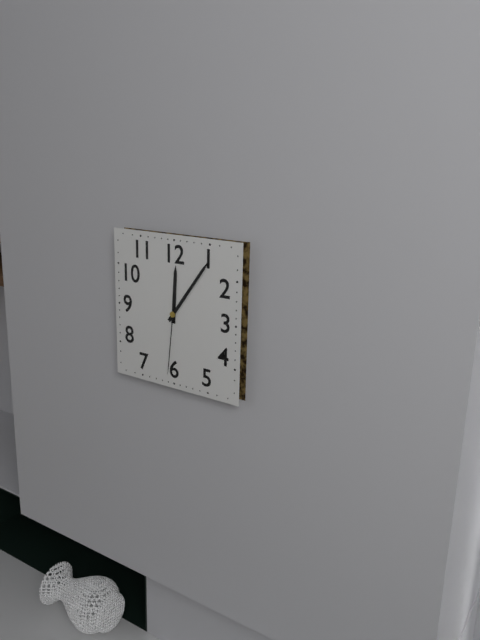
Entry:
12h06m31s
